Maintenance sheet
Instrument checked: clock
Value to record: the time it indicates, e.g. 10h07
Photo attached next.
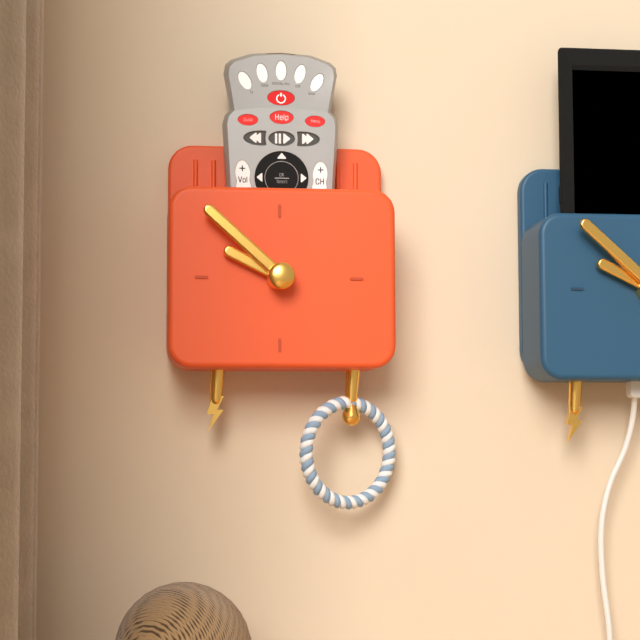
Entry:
9h52
